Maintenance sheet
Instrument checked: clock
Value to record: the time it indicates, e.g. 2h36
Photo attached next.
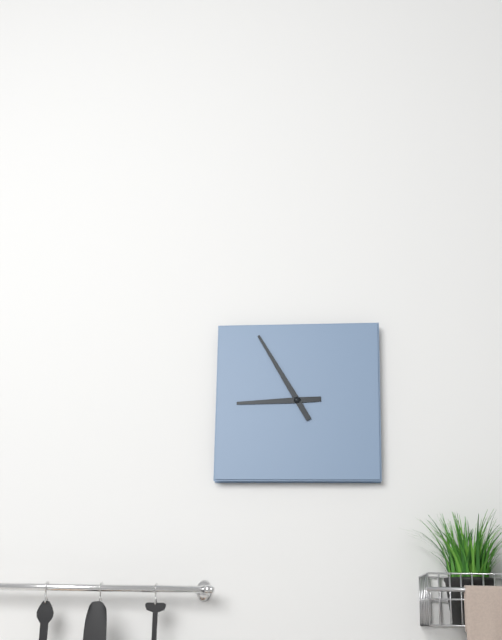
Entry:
8h55
